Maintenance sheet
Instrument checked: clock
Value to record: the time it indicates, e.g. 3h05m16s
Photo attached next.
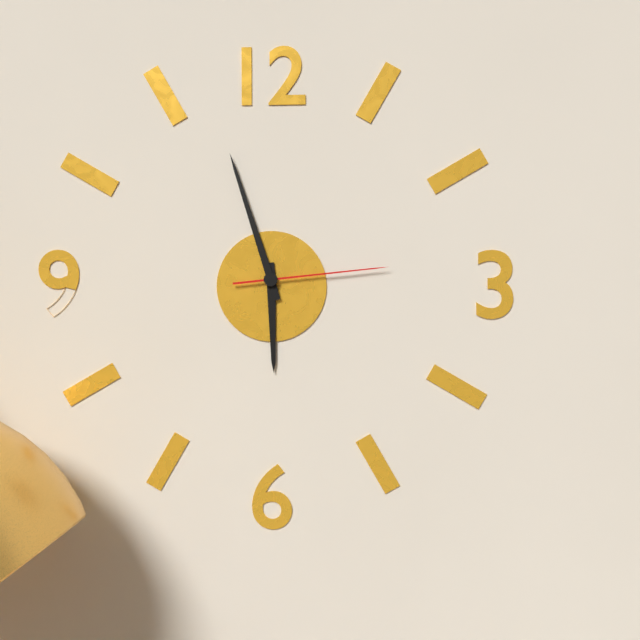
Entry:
5h57m14s
